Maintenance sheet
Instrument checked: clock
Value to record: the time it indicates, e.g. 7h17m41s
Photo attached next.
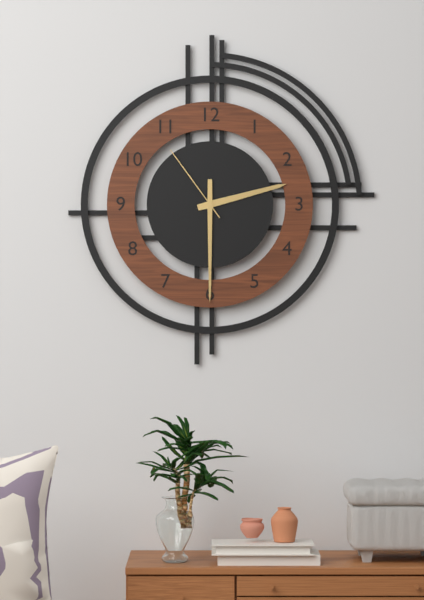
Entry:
2h30m54s
